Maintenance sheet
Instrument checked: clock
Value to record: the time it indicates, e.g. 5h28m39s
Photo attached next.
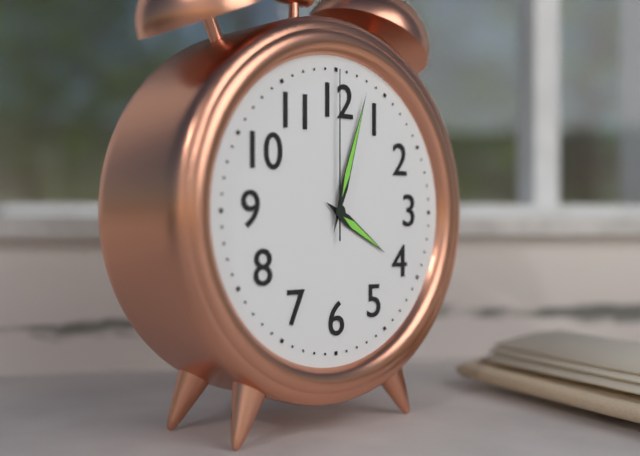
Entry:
4h03m00s
